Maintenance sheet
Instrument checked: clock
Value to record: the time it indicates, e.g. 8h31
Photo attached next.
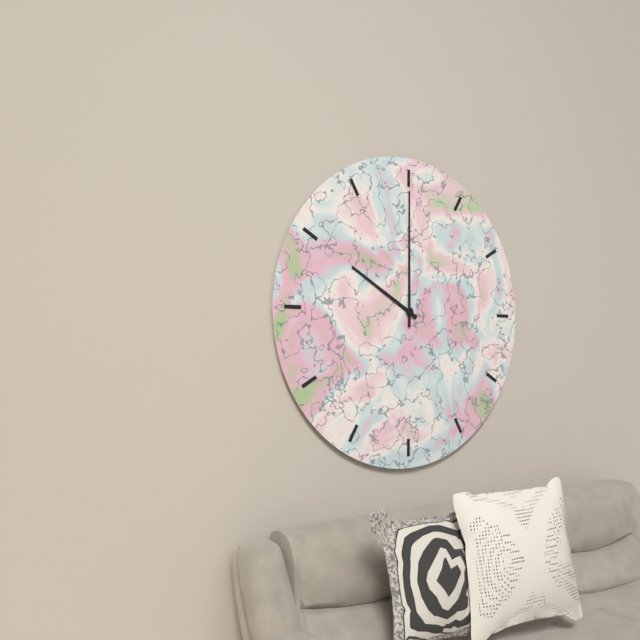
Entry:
10h00
